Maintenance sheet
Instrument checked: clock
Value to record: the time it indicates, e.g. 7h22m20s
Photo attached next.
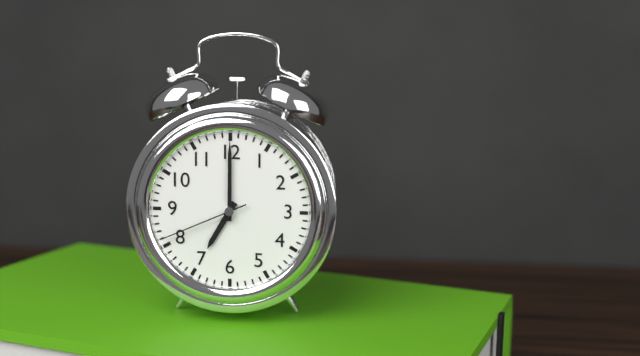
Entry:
7h00m41s
